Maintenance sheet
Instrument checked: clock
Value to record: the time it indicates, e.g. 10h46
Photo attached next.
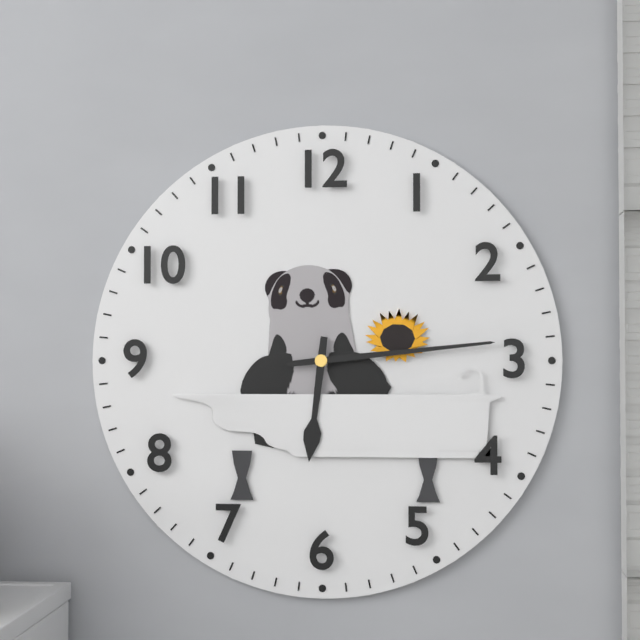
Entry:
6h14
